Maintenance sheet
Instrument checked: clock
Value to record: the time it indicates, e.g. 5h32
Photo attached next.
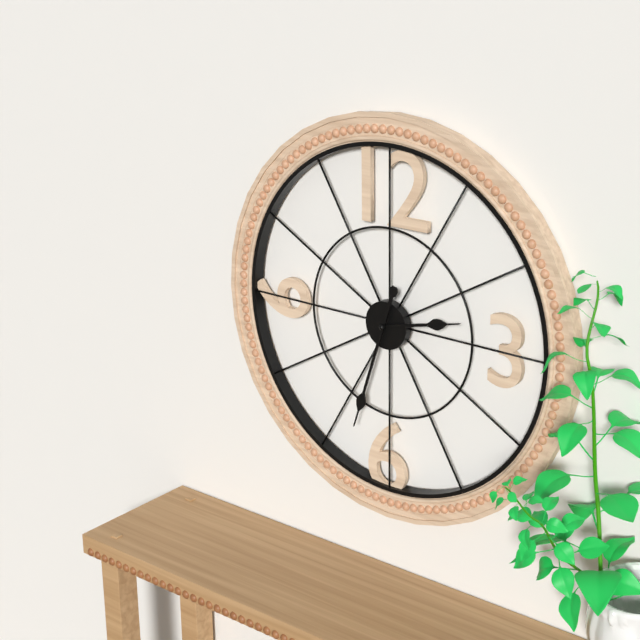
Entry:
2h33
